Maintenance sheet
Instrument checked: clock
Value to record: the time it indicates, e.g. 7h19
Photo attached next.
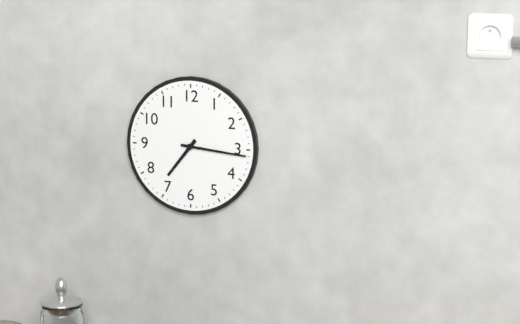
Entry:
7h16
